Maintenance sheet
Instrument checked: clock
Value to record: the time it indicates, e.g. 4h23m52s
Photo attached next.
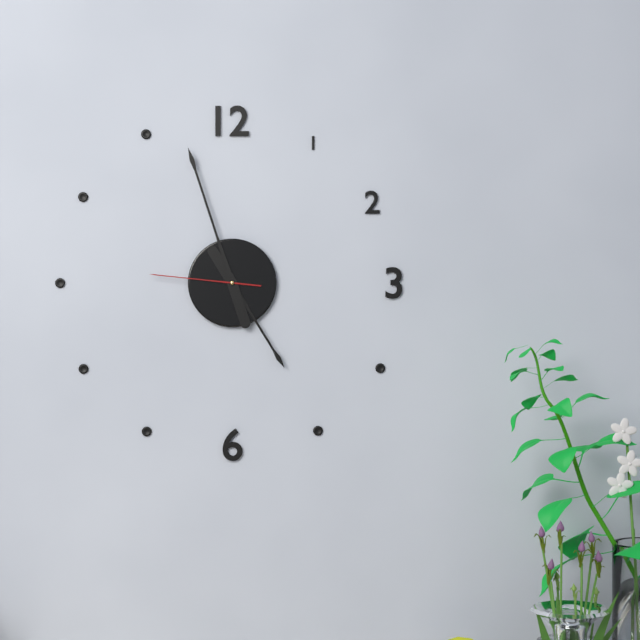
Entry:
4h57m46s
